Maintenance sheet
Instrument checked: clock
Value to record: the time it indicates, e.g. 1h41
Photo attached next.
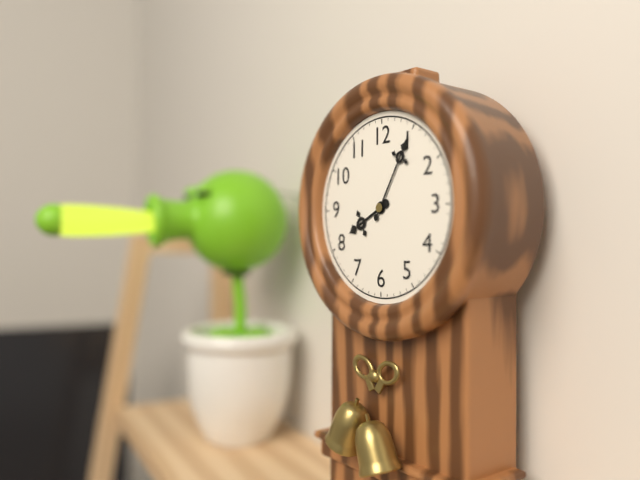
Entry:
8h05
